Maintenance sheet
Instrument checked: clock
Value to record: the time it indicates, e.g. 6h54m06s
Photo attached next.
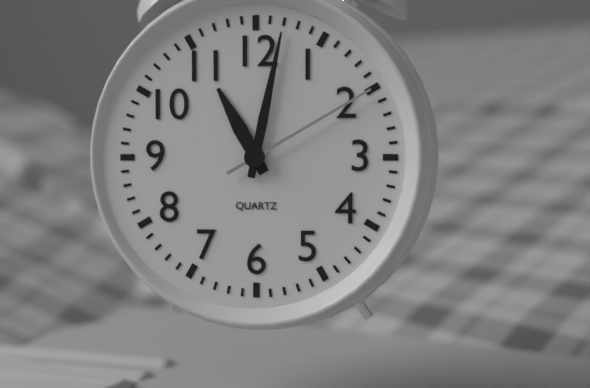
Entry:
11h02m10s
